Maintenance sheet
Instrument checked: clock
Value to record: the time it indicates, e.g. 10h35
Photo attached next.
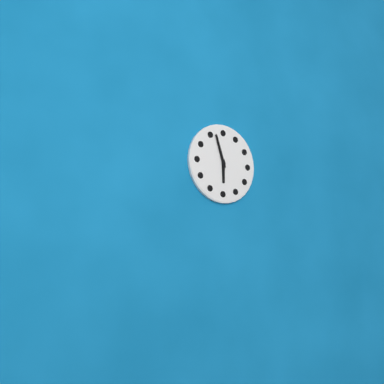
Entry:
5h57
